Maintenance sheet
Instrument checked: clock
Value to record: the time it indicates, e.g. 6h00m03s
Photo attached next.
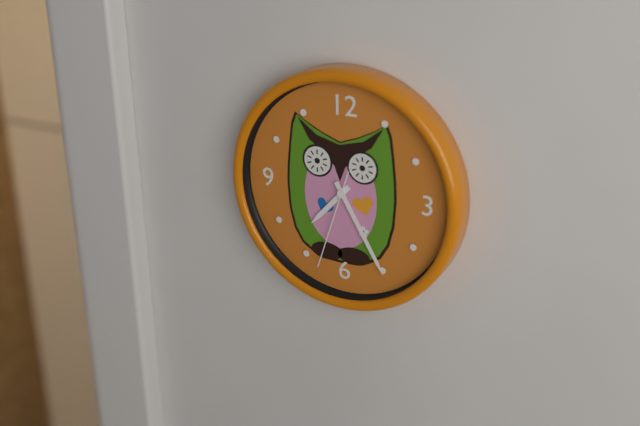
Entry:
7h25m33s
